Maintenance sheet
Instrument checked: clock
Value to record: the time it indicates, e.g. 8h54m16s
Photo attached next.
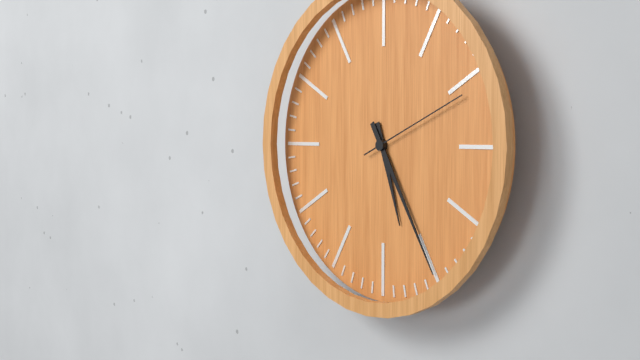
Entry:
5h25m11s
